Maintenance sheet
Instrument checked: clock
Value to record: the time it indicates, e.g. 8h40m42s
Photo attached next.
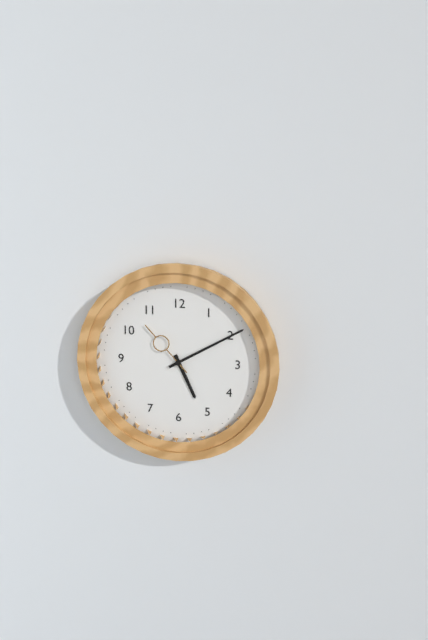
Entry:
5h10m53s
